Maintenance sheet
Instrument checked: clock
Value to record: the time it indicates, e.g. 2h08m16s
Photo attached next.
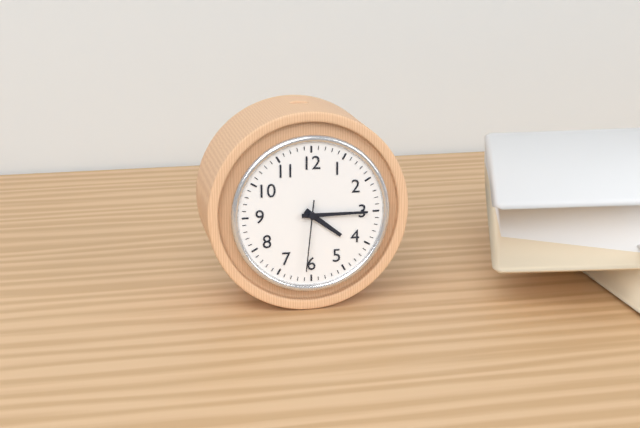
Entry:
4h15m31s
